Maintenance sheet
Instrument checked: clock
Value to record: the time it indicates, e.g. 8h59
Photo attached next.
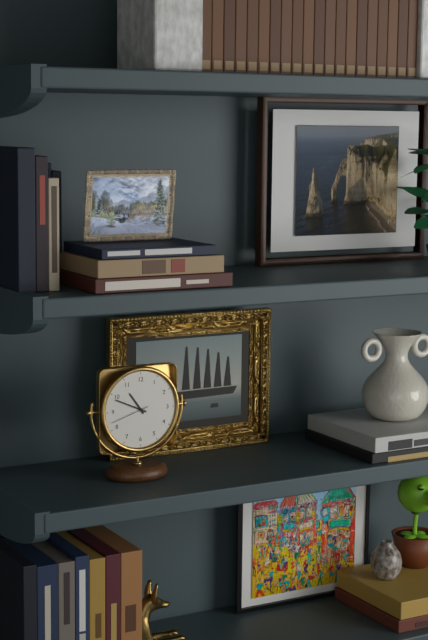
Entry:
10h49
